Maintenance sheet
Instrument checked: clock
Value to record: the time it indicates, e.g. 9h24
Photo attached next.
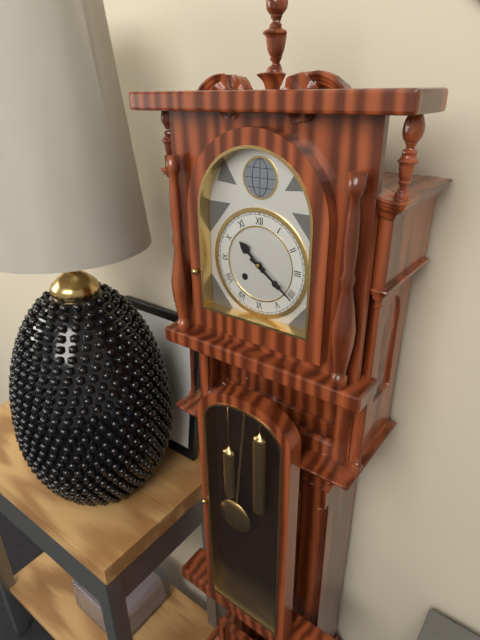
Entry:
10h21
